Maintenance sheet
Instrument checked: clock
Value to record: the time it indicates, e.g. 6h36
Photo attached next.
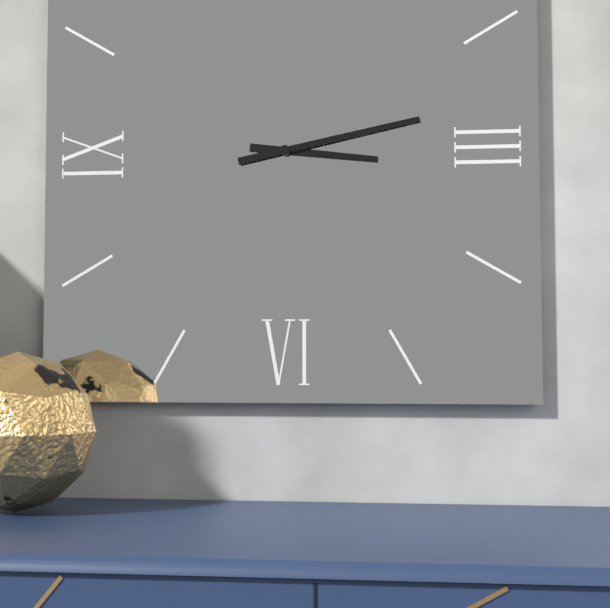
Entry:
3h13
